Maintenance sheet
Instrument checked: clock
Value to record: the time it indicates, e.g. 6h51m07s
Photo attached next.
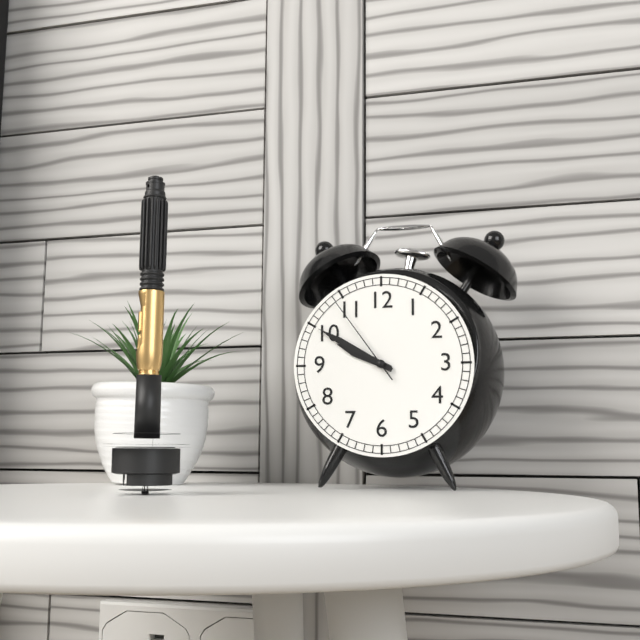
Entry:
9h50m54s
